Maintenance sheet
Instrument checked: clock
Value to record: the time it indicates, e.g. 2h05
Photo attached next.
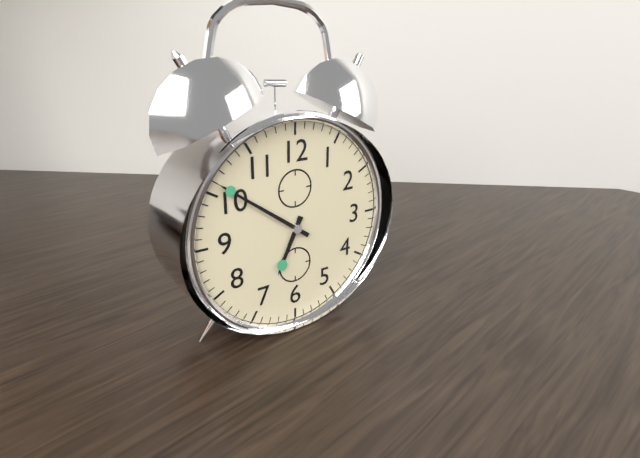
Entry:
6h51
